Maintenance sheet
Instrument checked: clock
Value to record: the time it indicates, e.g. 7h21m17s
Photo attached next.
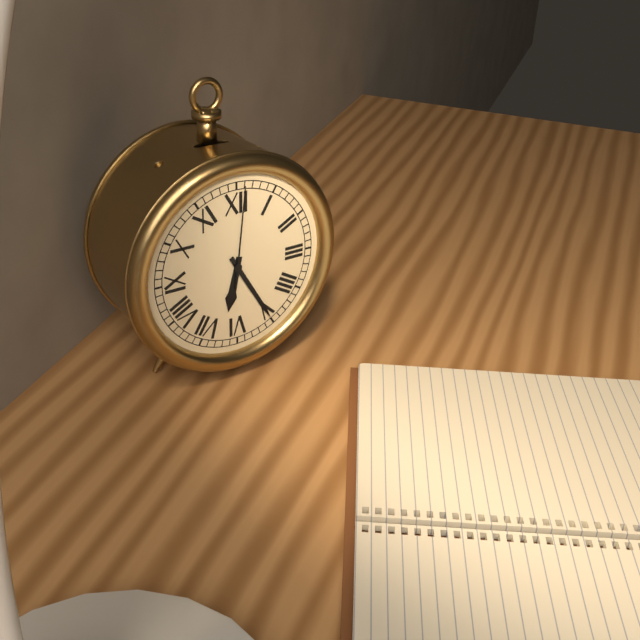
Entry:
6h25m01s
